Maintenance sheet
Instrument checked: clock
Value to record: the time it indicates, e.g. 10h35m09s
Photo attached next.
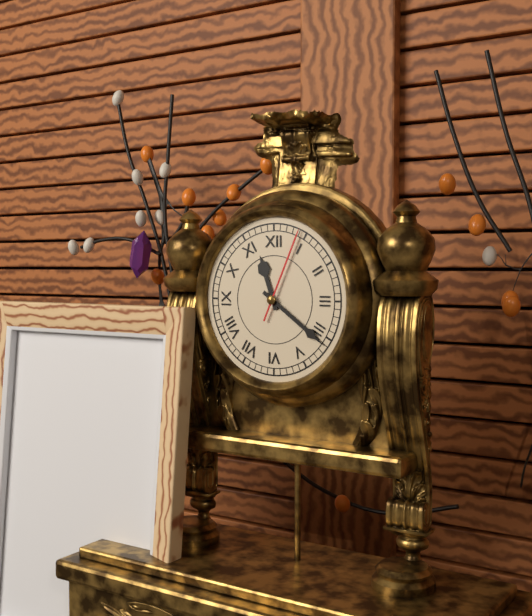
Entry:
11h21m04s
